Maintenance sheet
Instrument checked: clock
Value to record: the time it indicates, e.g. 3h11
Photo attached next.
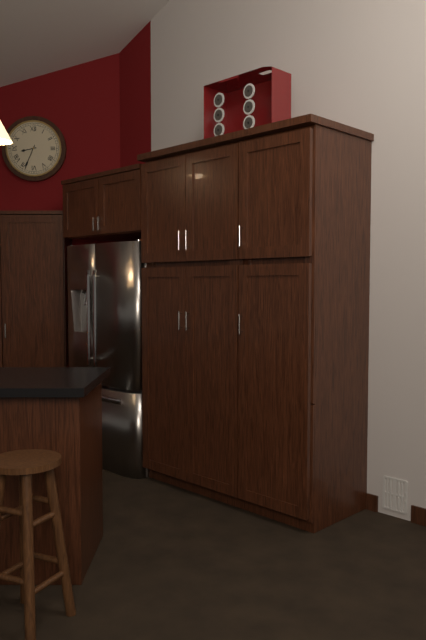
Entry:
8h34
